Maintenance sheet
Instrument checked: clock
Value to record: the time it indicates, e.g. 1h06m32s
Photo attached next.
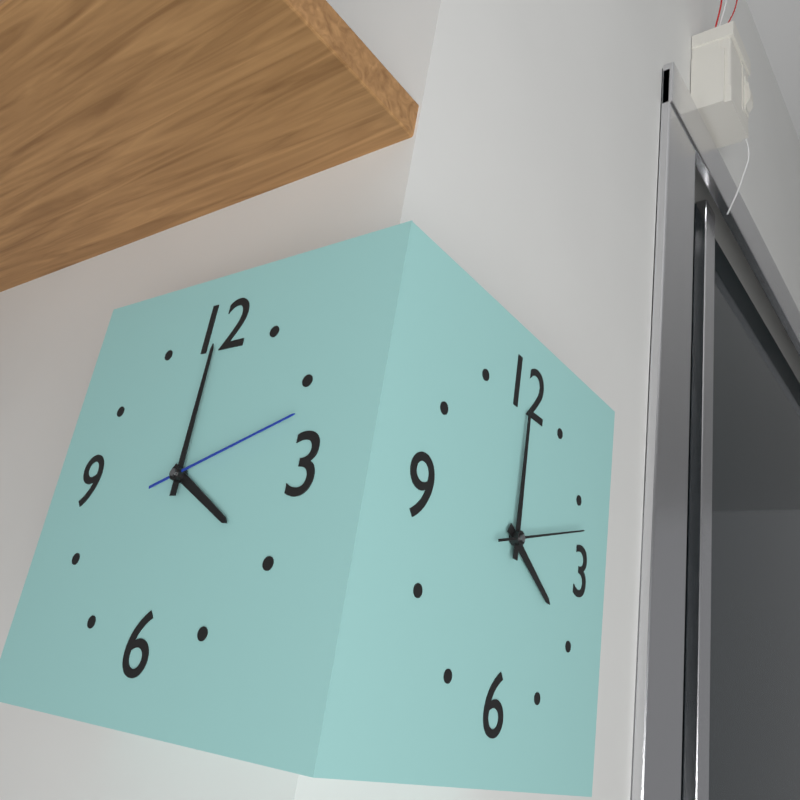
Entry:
4h00m12s
